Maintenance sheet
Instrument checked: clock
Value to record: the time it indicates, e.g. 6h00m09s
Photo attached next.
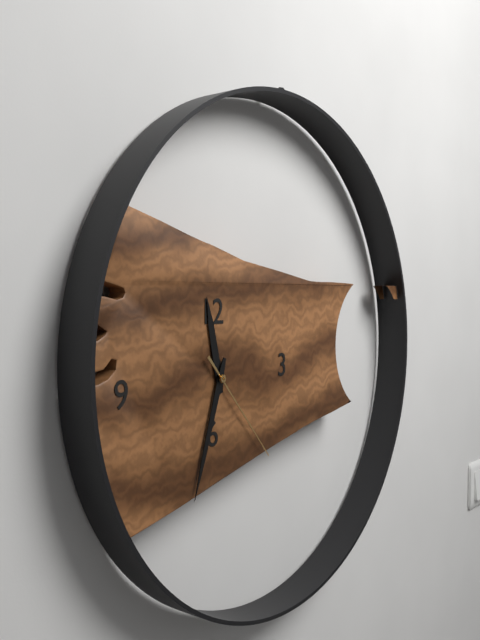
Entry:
11h33m23s
